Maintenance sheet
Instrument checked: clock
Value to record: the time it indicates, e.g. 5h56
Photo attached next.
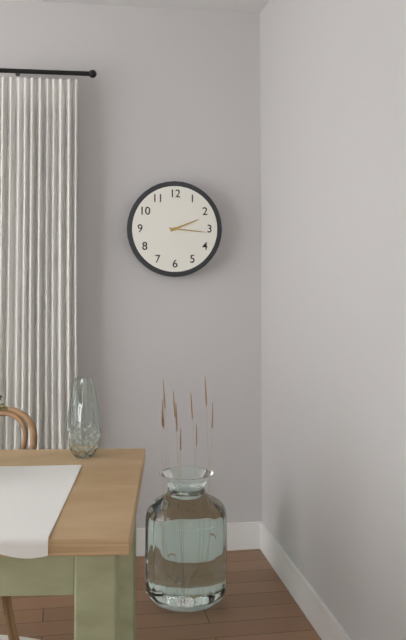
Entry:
2h16
